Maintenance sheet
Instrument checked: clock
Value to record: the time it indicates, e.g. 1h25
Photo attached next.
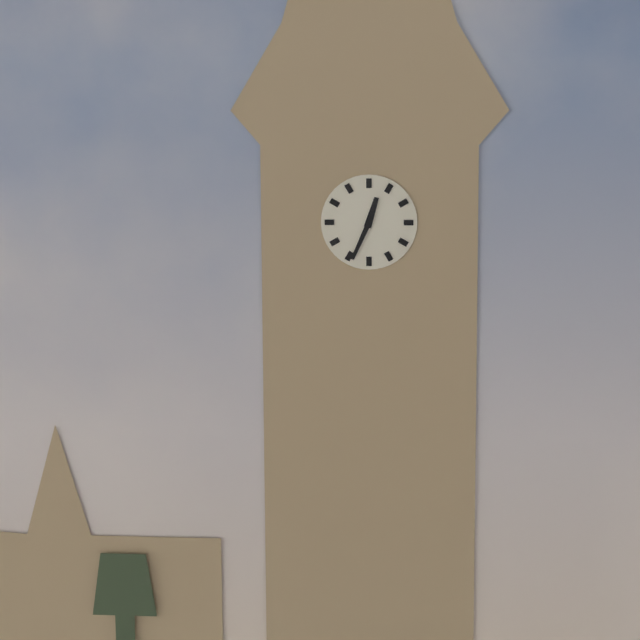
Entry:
12h34
